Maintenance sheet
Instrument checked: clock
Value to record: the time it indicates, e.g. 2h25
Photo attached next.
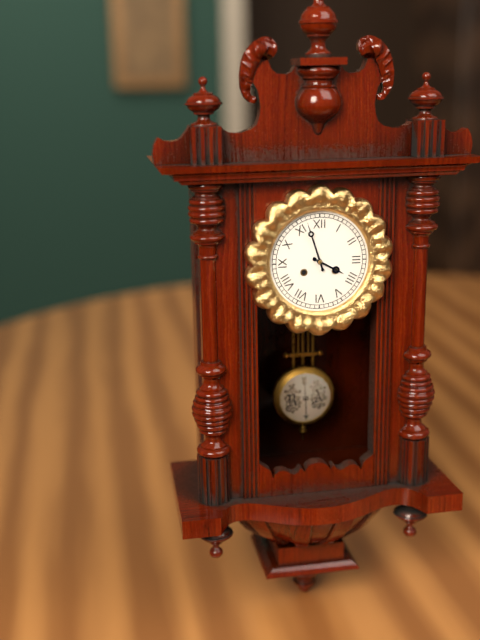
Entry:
3h57
